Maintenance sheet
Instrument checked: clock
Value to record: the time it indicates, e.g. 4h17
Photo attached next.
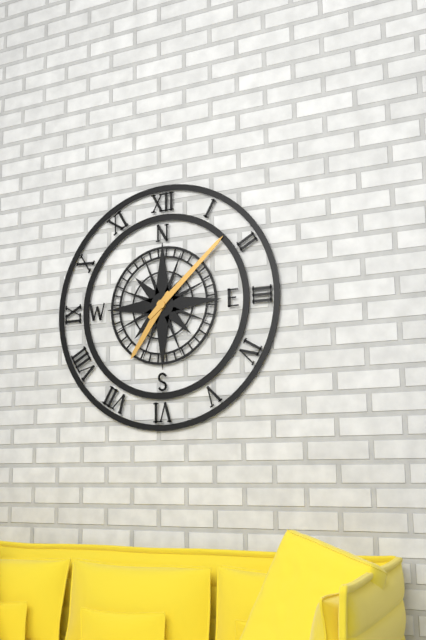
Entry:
7h08
